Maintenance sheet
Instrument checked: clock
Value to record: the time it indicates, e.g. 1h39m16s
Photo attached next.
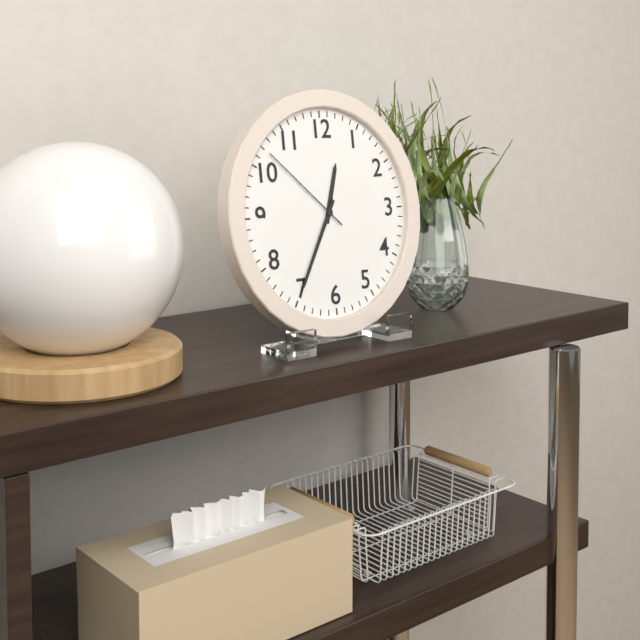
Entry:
12h35m52s
